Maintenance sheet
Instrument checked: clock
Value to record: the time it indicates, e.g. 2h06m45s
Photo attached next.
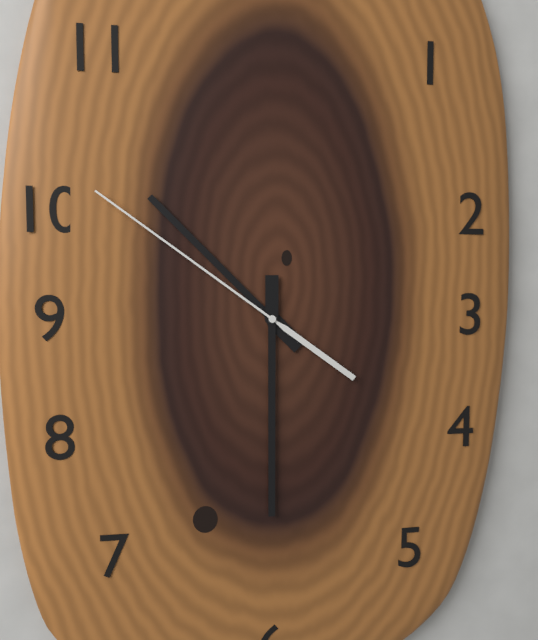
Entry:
10h30m51s
